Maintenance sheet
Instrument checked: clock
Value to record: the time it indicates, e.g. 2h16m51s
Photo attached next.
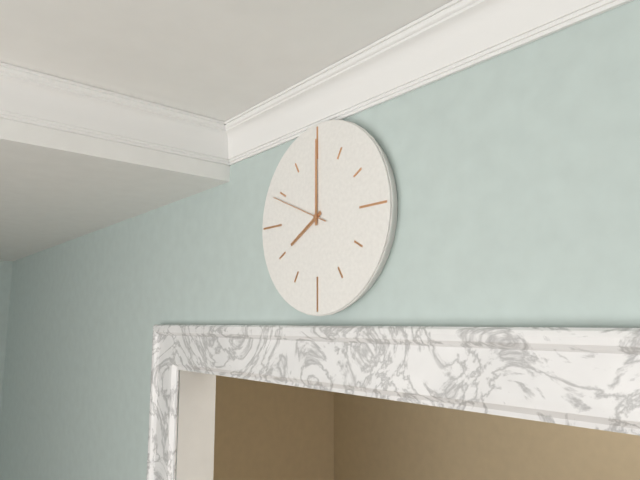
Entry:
8h00m49s
